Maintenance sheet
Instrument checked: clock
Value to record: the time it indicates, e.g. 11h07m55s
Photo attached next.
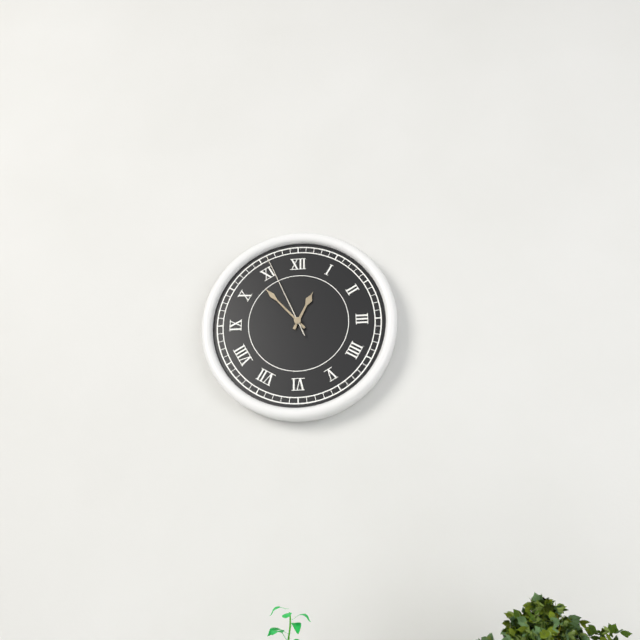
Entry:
12h53m56s
